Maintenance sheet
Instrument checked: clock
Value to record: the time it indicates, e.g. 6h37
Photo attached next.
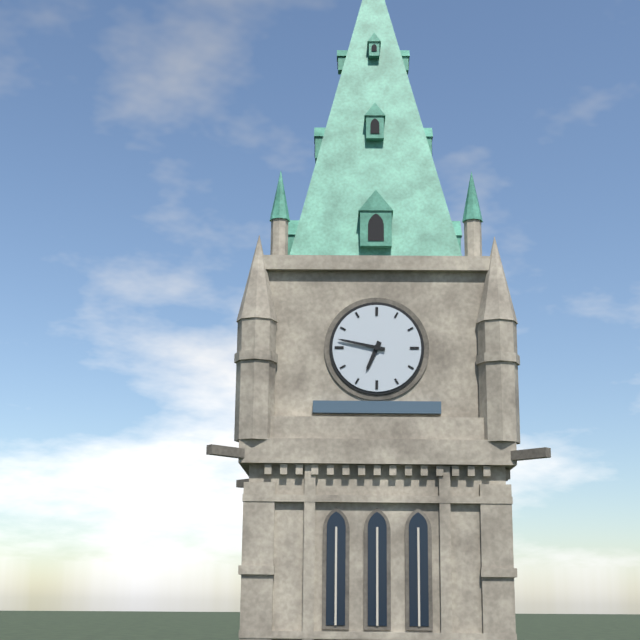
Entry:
6h47
